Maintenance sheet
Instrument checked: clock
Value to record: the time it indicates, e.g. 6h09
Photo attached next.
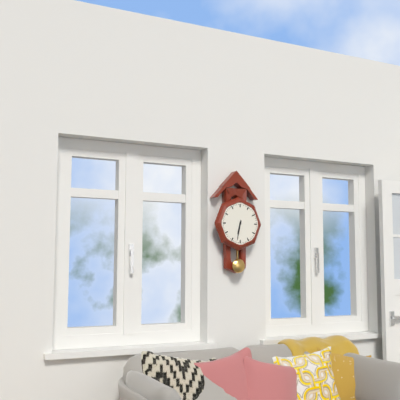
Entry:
6h32
